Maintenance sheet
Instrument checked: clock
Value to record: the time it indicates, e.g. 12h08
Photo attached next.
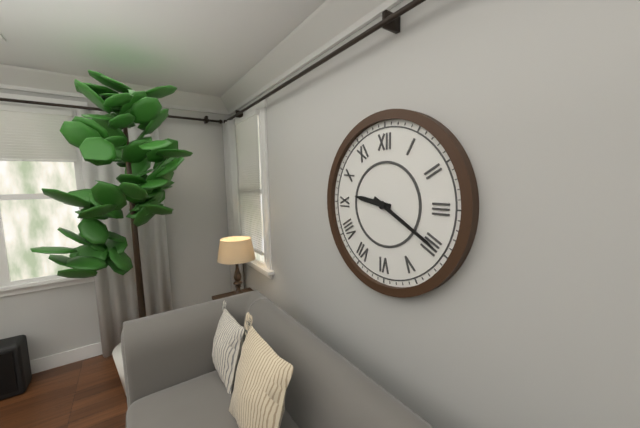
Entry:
9h20
